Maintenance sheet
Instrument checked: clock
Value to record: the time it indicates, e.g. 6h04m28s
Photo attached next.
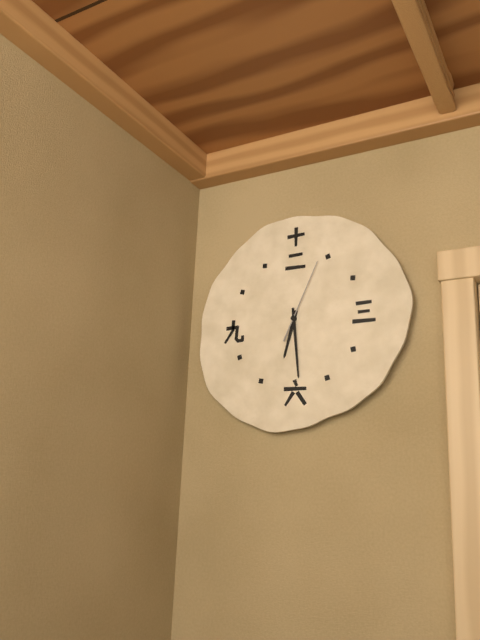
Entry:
6h29m04s
